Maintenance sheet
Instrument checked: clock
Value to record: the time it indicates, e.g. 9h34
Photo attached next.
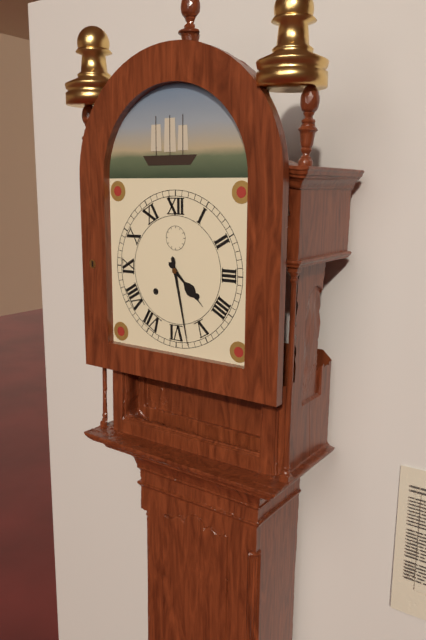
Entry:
4h28
